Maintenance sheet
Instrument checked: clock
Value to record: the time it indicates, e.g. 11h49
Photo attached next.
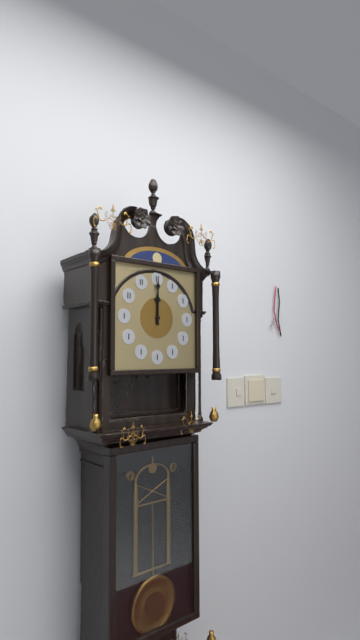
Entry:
12h00
